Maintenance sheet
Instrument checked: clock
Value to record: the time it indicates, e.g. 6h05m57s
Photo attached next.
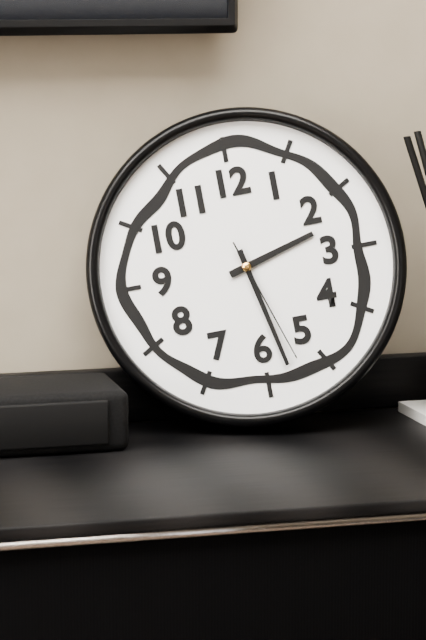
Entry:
2h28m27s
